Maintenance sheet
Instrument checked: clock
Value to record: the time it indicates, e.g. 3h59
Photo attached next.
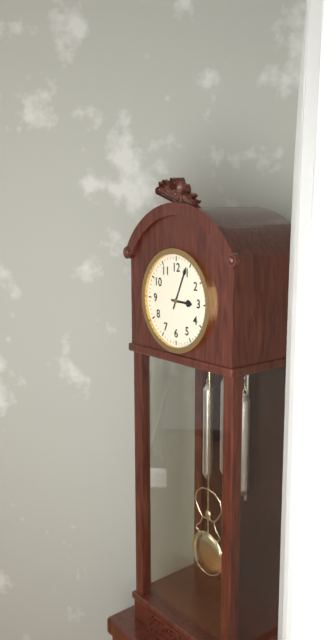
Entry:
3h04
